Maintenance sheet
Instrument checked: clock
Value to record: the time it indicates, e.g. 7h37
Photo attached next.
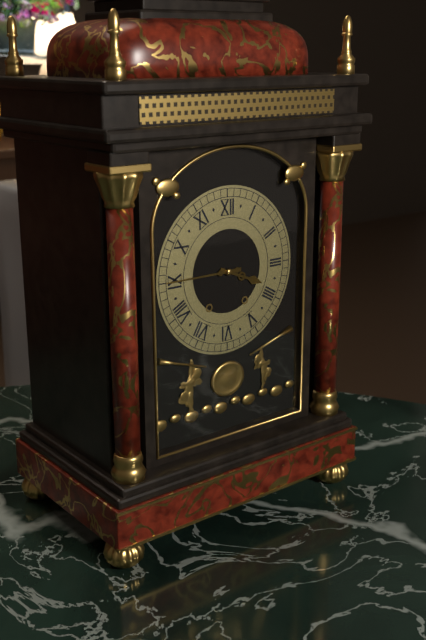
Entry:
3h45
